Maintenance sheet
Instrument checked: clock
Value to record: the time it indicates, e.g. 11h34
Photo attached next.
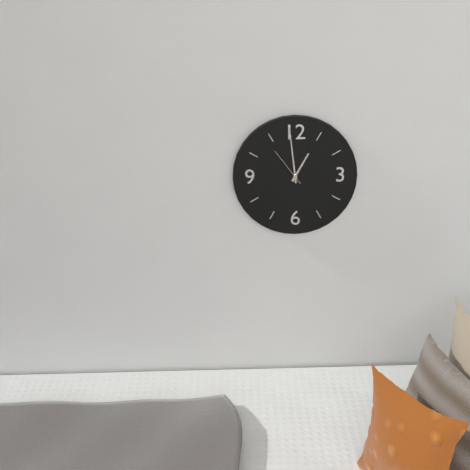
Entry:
12h59
